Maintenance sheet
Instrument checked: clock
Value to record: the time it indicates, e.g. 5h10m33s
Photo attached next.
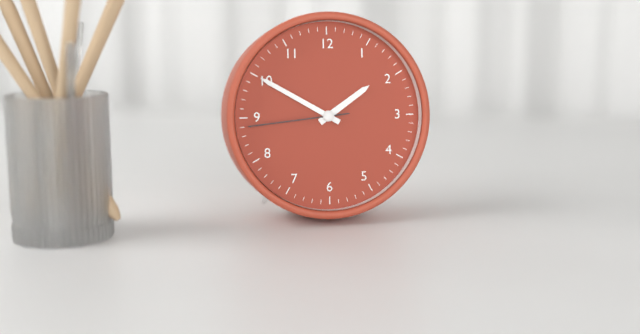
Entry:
1h50m44s
